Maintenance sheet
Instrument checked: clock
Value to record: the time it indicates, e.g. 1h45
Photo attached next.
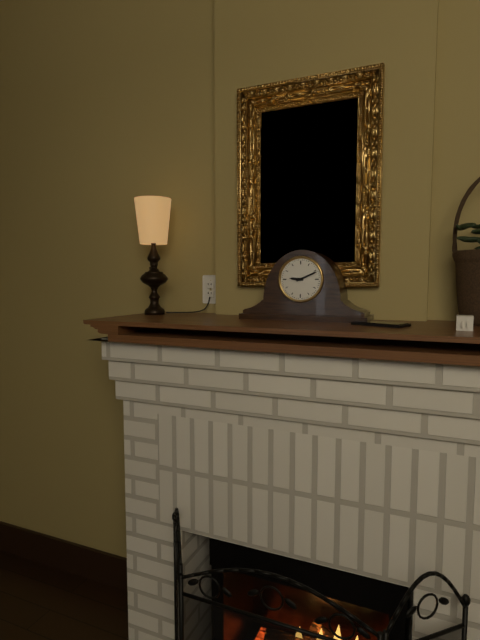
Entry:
9h11
